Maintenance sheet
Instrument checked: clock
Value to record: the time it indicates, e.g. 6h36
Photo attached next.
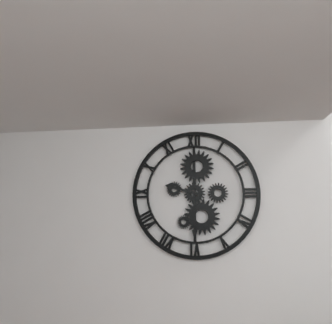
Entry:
9h30
